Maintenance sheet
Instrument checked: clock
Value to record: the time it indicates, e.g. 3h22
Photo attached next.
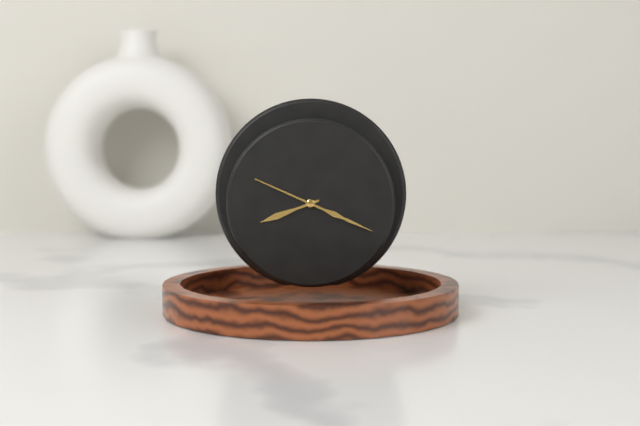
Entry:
8h19
